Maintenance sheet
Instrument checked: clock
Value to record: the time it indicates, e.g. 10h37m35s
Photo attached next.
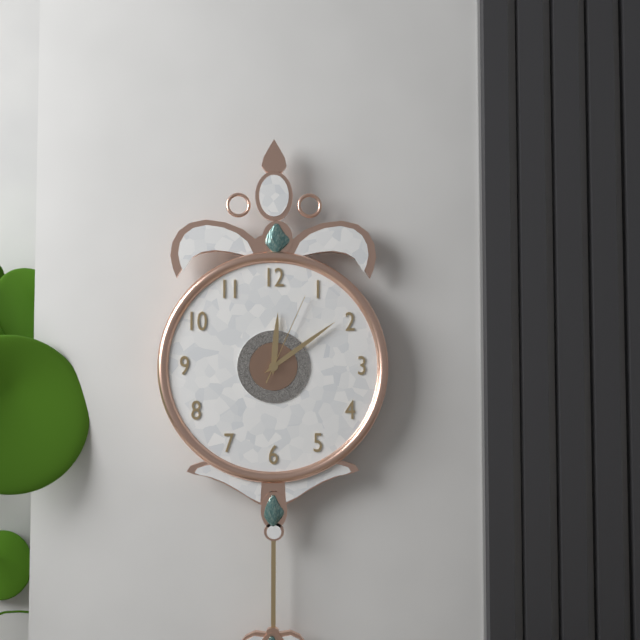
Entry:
12h09m04s
